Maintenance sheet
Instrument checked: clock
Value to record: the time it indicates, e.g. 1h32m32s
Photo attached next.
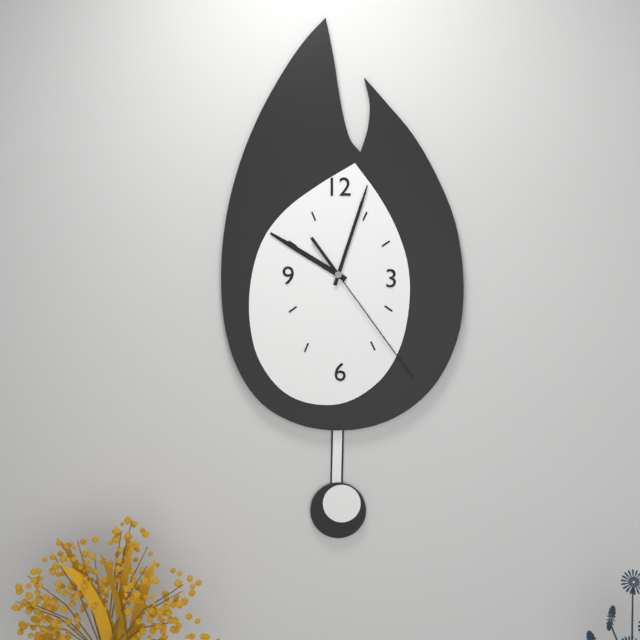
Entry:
10h03m24s
